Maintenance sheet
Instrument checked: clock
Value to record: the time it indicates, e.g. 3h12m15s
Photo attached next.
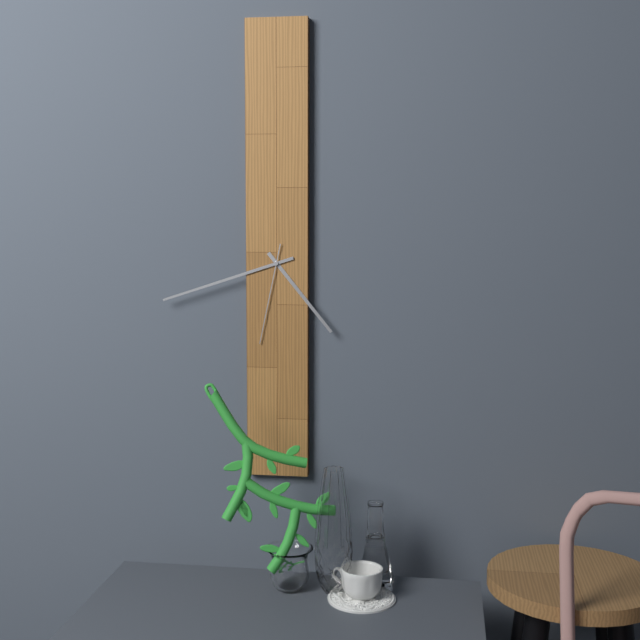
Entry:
4h42m32s
